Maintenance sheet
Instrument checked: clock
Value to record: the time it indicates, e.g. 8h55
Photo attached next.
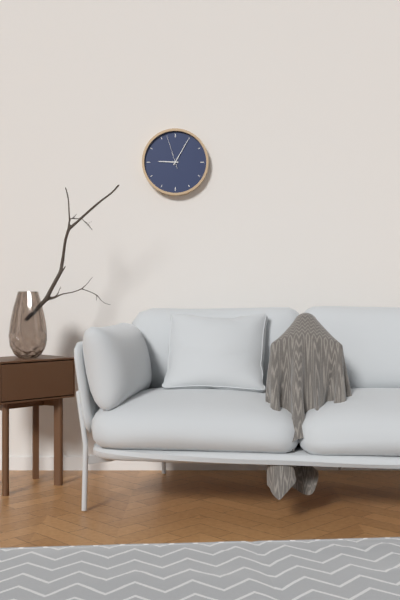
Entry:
9h05
